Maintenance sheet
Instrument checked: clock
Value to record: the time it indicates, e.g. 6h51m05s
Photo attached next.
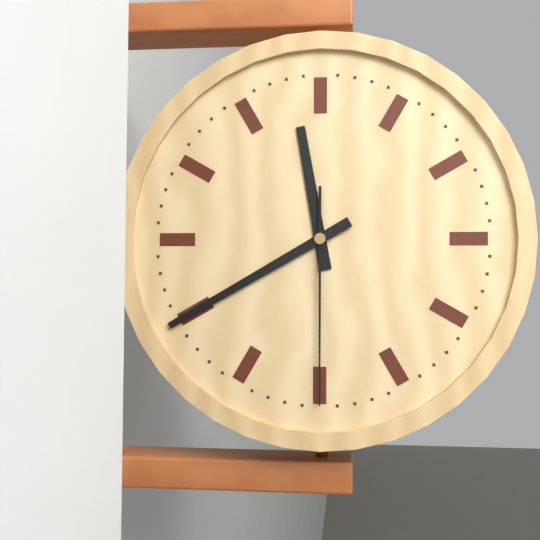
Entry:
11h40m30s
